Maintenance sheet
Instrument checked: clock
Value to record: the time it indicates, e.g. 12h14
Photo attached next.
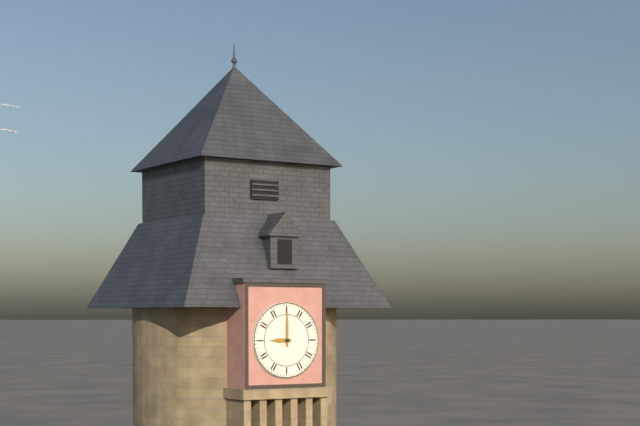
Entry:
9h00
